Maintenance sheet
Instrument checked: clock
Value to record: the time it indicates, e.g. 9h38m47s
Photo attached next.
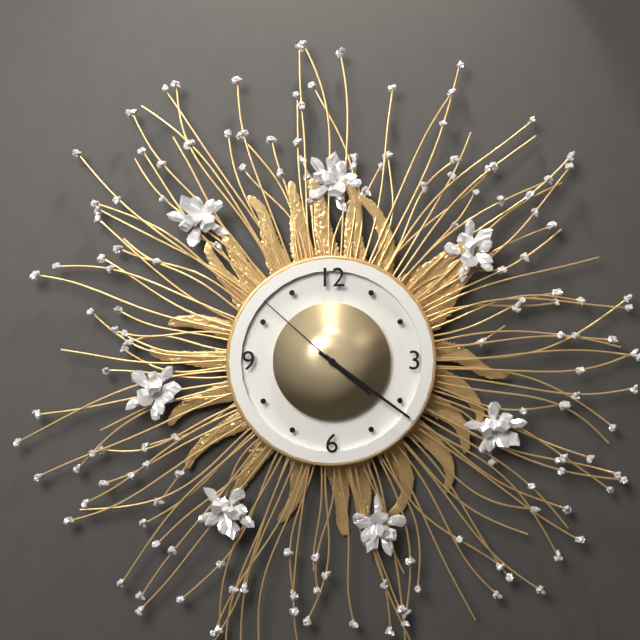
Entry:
4h21m52s
